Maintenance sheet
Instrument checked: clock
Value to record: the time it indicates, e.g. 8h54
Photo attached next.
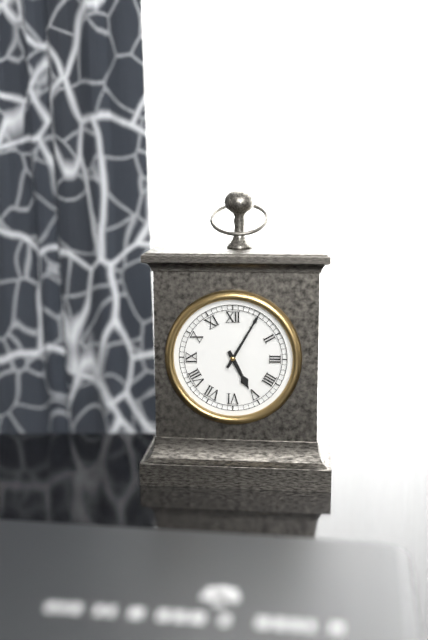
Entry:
5h05
